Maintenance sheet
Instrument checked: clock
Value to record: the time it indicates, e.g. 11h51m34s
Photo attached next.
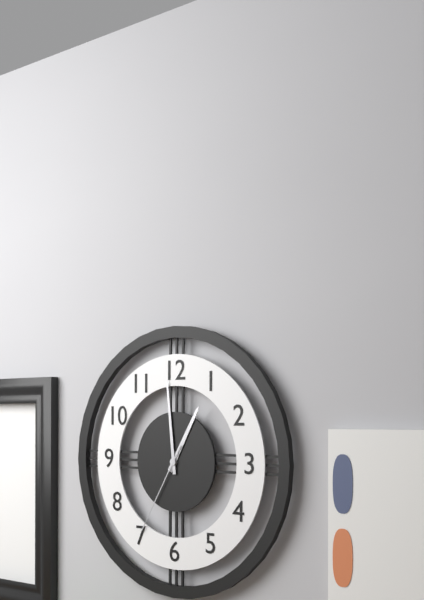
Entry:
12h59m35s
